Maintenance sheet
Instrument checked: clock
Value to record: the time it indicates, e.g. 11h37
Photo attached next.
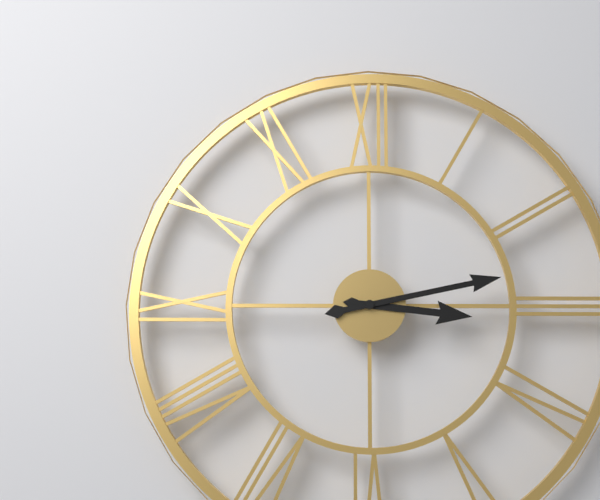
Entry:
3h13
